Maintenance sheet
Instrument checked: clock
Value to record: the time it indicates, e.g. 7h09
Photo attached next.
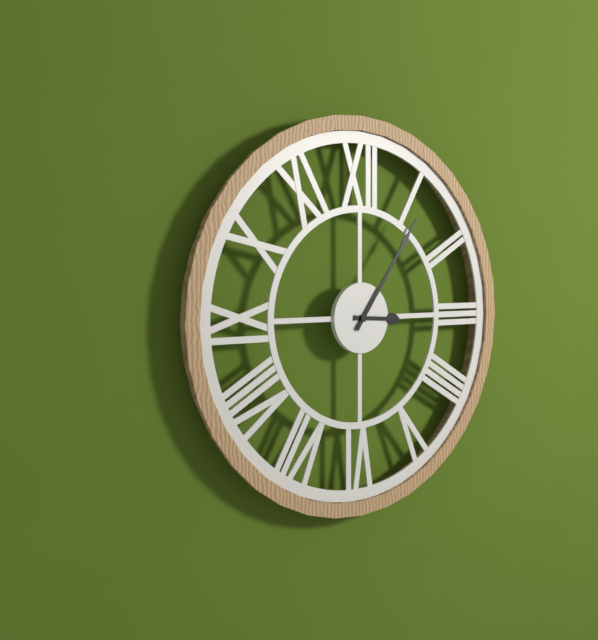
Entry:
3h06
